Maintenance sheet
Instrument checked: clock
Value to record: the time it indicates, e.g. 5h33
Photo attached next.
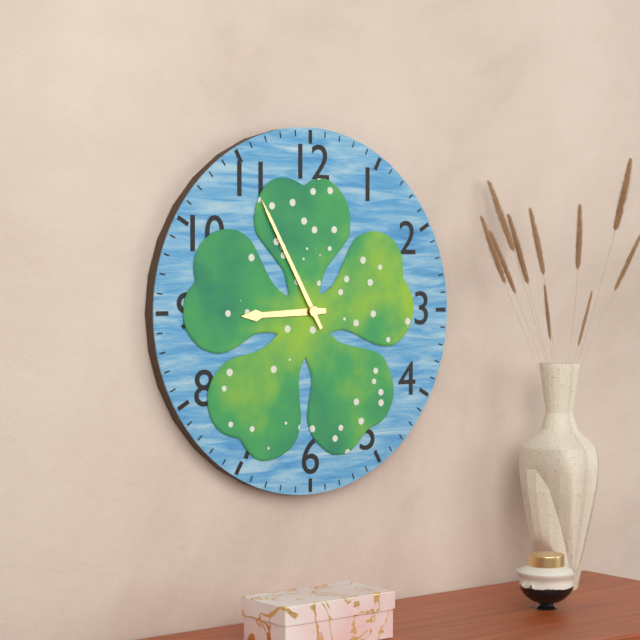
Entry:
8h55
